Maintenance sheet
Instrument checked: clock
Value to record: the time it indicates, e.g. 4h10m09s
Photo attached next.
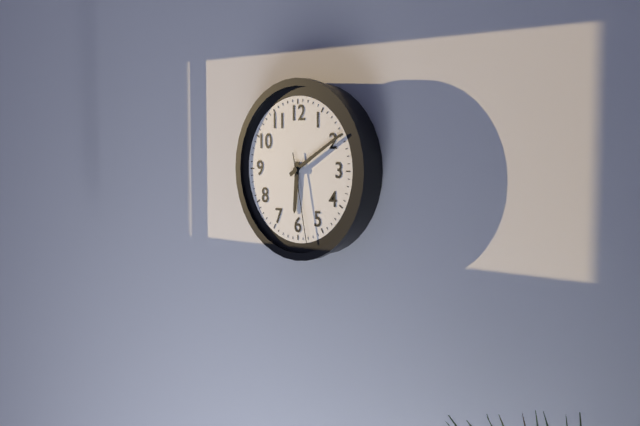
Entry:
6h10m28s
